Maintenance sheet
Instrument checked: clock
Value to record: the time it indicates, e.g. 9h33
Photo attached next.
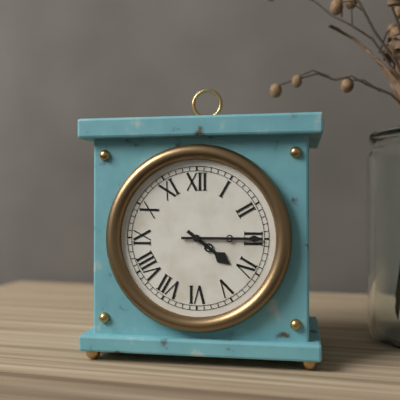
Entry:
4h15
